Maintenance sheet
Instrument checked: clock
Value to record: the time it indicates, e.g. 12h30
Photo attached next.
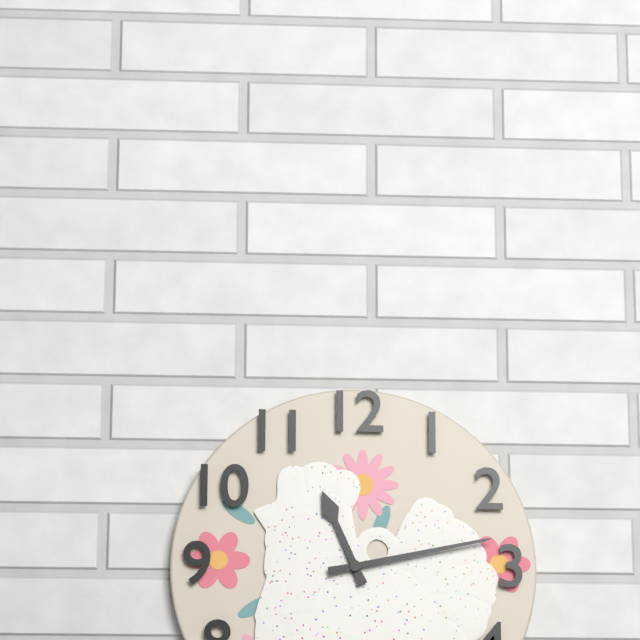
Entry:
11h13
